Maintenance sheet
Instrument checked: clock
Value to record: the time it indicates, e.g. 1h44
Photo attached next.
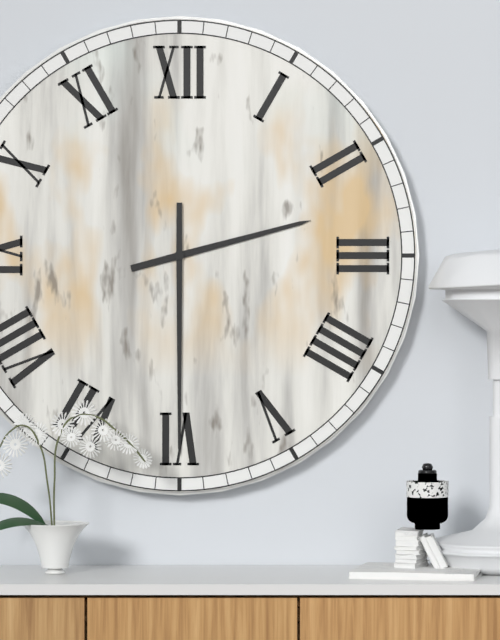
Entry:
2h30
